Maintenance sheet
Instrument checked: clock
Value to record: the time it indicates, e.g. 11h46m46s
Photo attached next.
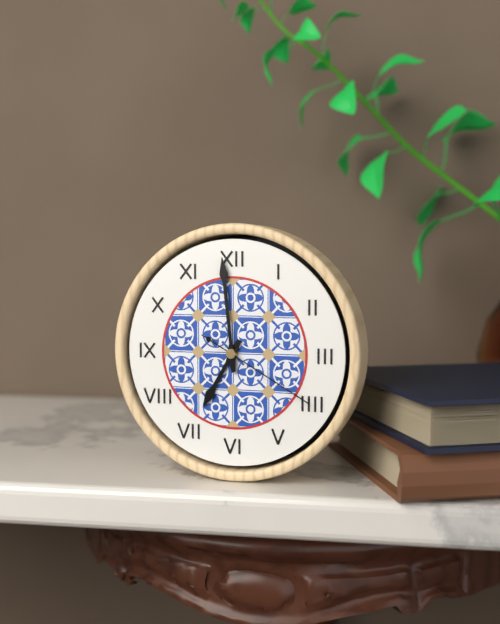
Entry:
6h59m20s
